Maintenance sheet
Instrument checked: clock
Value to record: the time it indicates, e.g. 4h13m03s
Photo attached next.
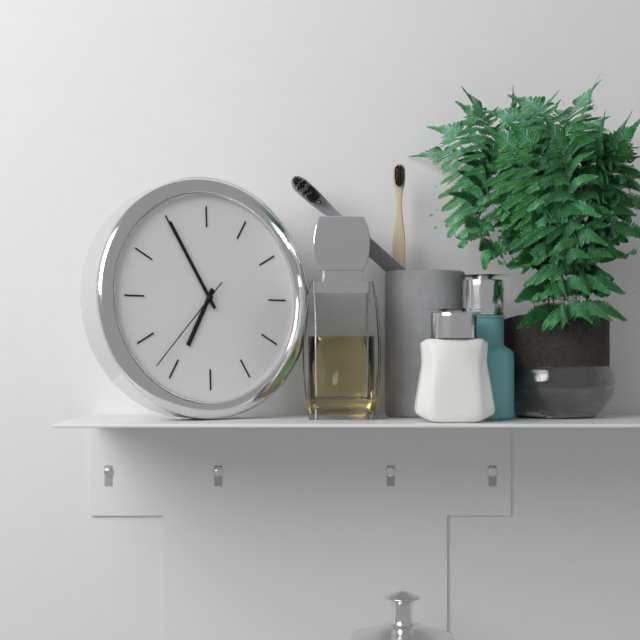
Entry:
6h55m37s
